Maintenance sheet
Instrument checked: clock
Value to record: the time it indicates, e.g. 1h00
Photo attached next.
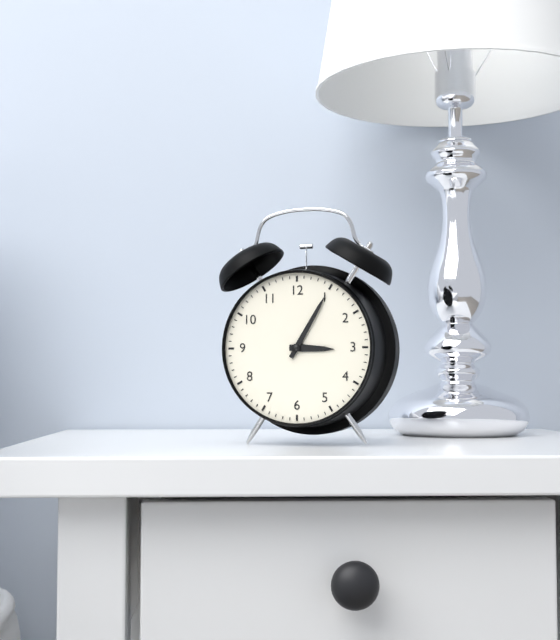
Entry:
3h05
